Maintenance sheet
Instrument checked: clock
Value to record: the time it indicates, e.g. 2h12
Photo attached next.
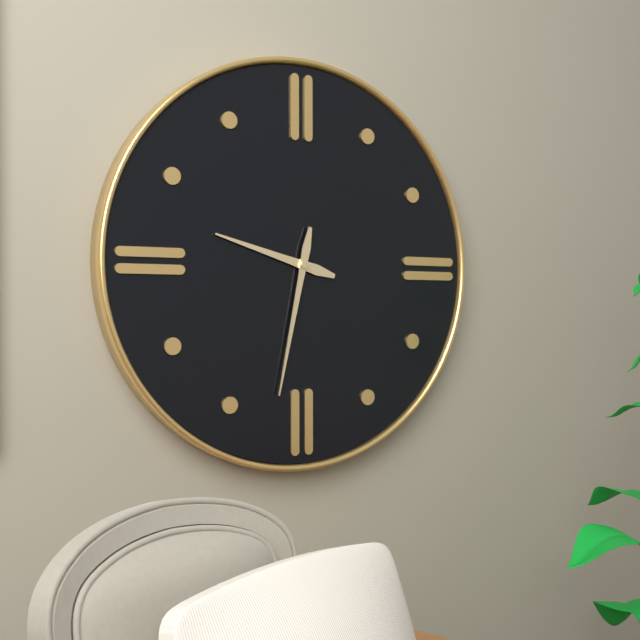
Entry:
9h32
